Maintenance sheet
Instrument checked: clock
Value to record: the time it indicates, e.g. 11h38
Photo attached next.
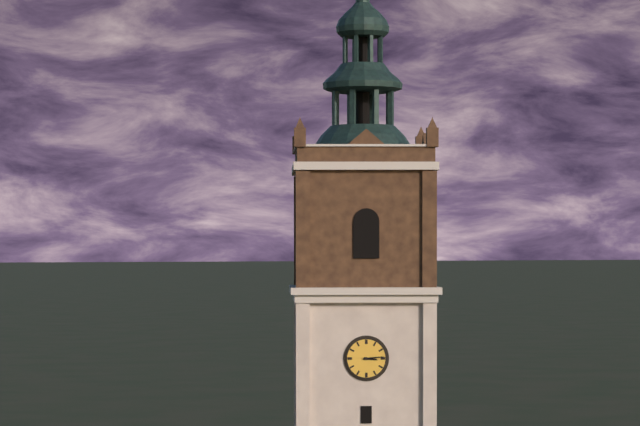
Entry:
3h14
